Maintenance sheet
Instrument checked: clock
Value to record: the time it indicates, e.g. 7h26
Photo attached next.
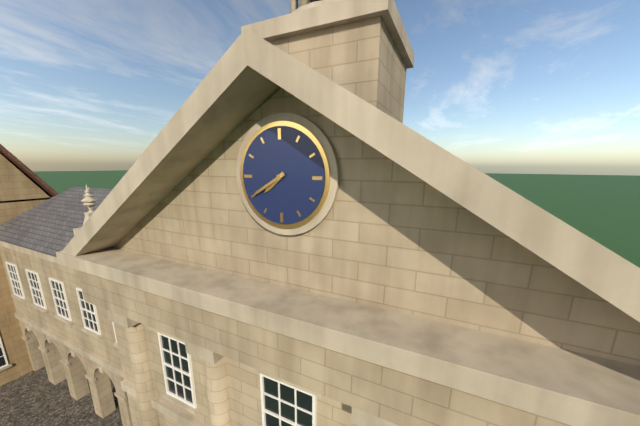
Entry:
7h40
